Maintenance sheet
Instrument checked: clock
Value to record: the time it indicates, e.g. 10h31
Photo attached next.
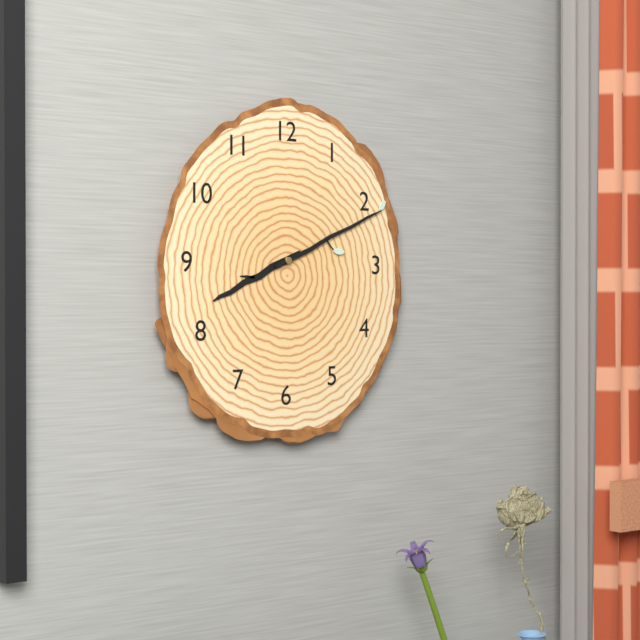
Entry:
8h11
